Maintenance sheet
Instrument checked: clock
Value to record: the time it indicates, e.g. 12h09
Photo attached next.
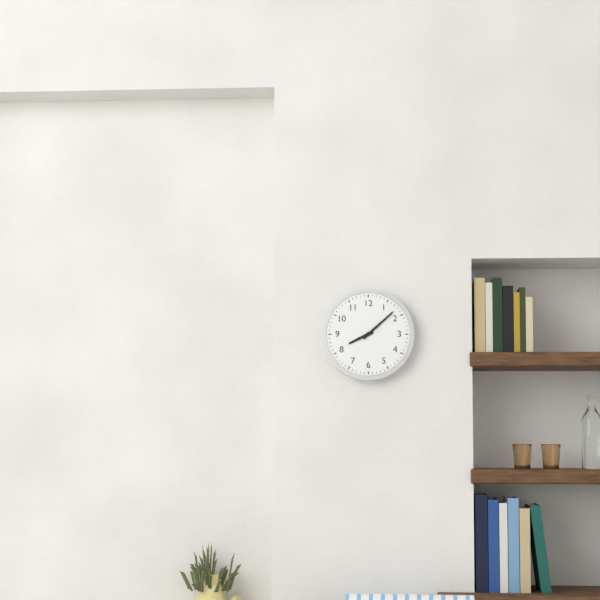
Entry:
8h08
